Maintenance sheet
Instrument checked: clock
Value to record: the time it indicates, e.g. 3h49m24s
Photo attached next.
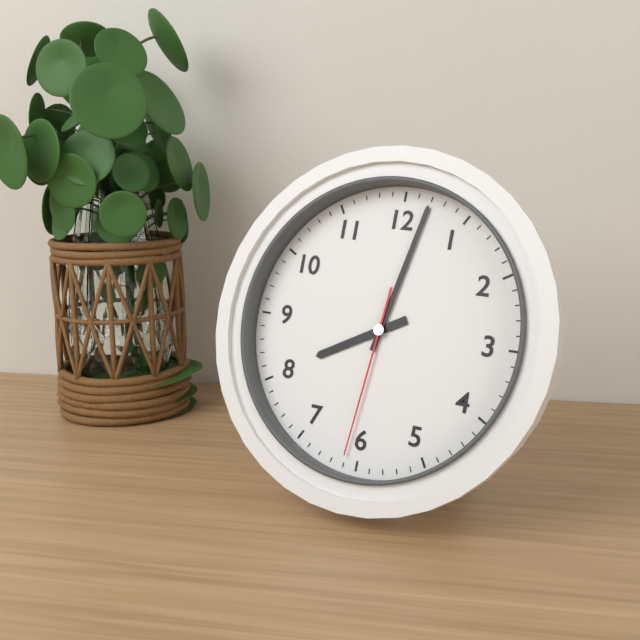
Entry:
8h02m31s
